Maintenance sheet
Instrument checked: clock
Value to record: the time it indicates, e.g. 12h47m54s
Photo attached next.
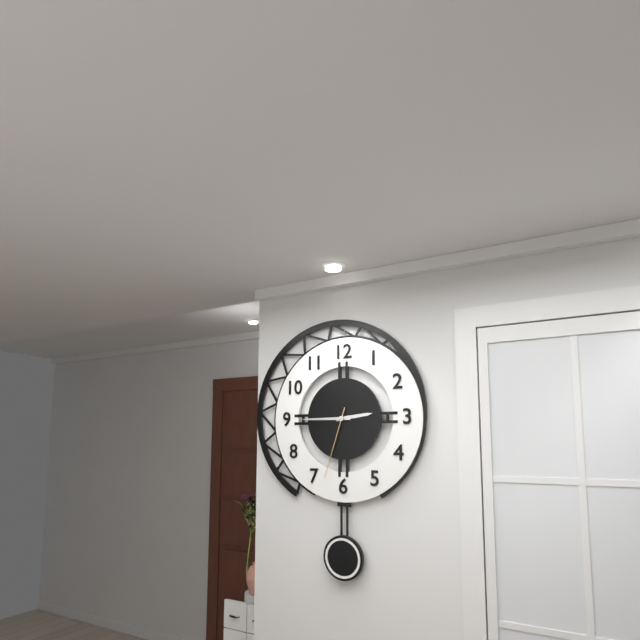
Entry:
2h45m33s
